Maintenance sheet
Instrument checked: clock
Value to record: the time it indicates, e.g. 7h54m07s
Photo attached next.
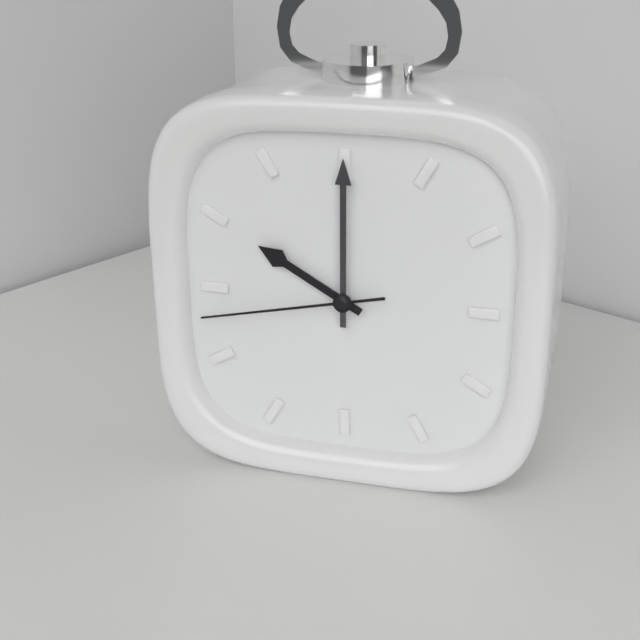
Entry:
10h00m43s
